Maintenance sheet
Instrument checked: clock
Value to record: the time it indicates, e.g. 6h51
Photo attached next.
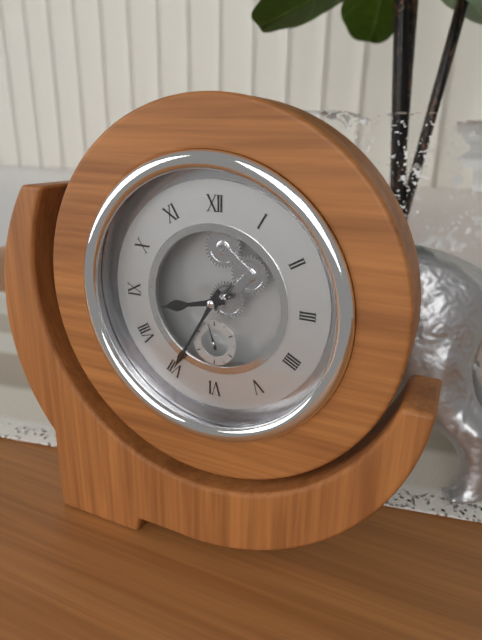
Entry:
8h35
